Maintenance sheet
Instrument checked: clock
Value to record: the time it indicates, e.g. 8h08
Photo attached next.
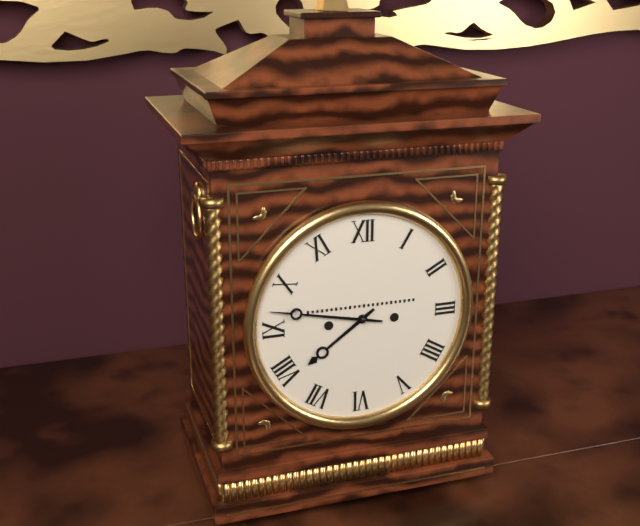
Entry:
7h47
